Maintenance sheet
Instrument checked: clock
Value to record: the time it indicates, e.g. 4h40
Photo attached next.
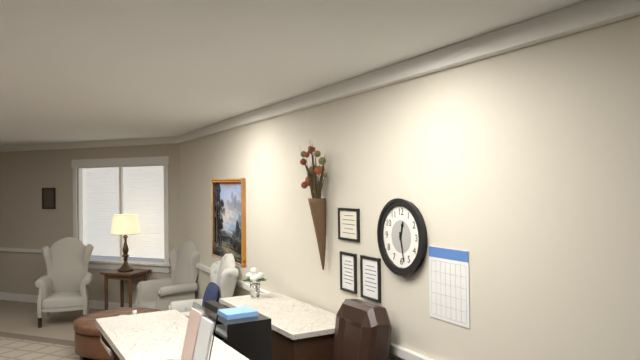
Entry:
12h28
